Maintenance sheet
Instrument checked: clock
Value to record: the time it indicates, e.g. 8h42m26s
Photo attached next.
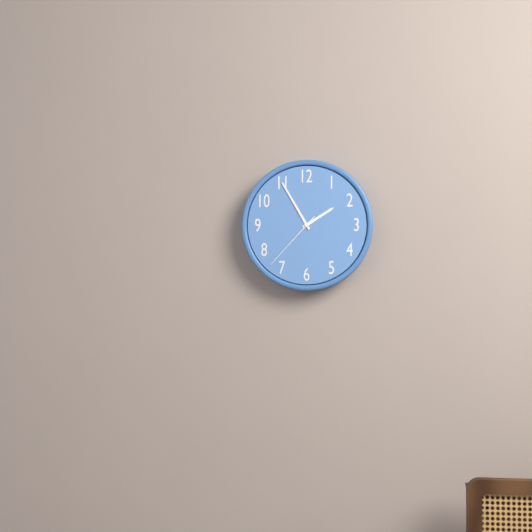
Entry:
1h55m37s
